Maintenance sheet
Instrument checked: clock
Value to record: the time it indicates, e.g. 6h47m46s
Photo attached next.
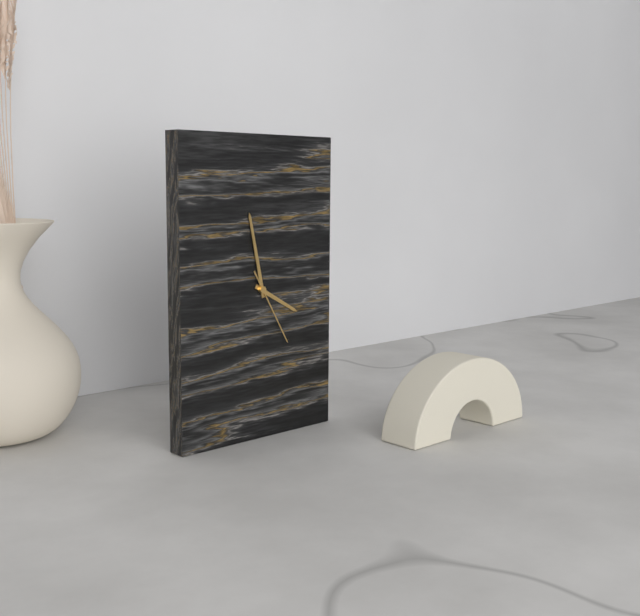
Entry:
3h58m25s
